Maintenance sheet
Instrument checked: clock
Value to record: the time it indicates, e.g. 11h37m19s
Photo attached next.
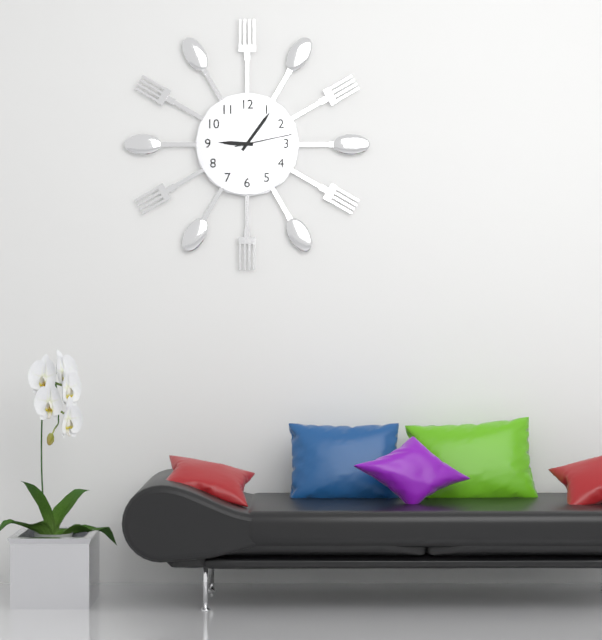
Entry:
9h06m13s
